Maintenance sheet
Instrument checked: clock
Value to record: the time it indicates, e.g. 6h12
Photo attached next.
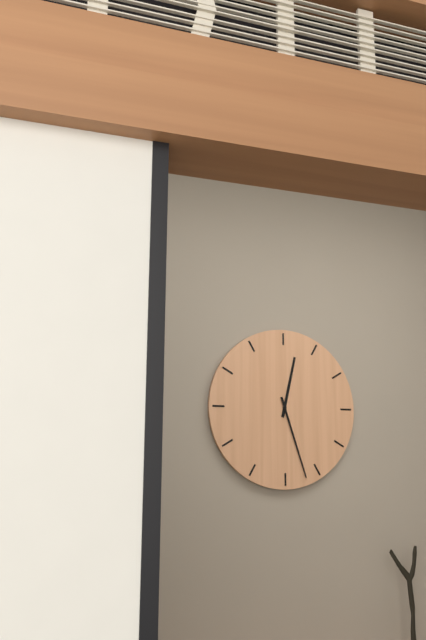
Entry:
12h27
